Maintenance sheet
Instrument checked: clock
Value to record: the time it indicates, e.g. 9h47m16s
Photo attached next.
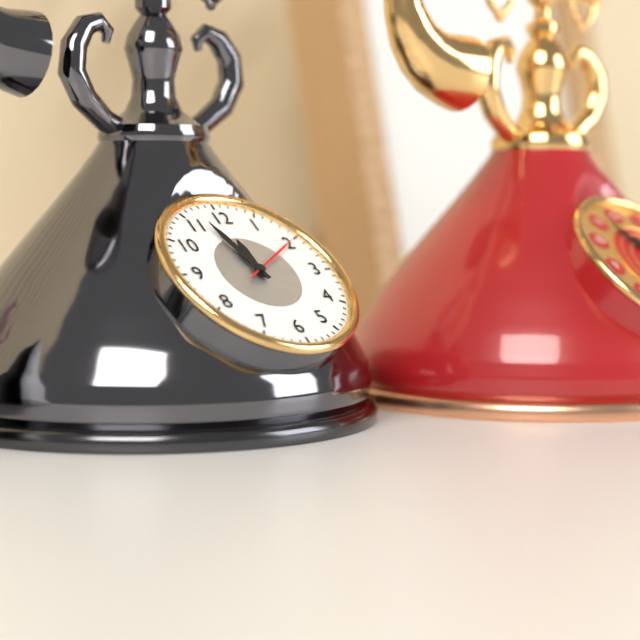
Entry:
11h57m10s
